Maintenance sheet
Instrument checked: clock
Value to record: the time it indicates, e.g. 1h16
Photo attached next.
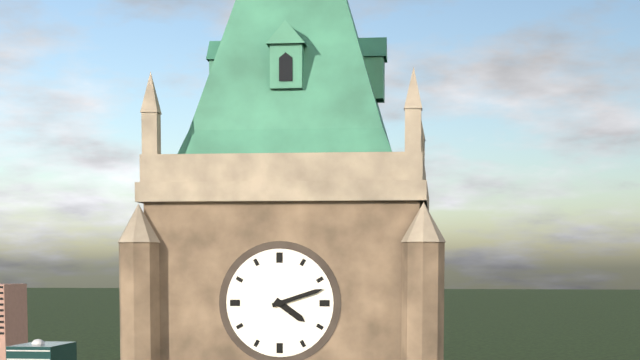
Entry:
4h12
